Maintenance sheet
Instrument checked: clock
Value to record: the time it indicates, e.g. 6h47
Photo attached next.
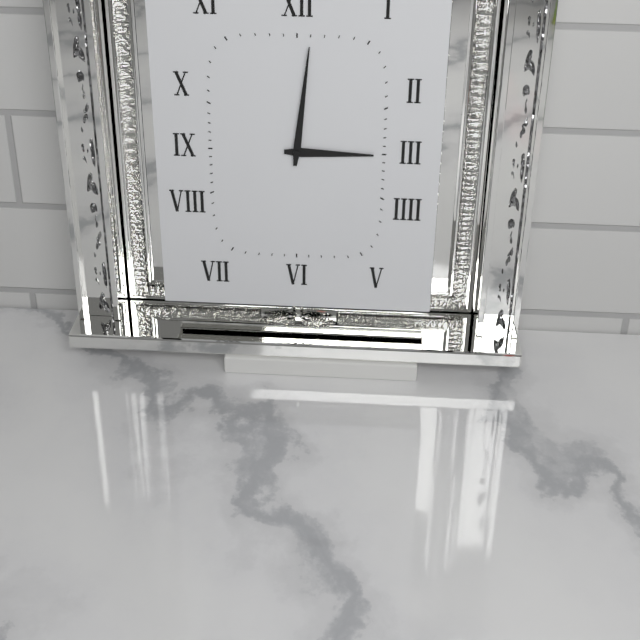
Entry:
3h01
